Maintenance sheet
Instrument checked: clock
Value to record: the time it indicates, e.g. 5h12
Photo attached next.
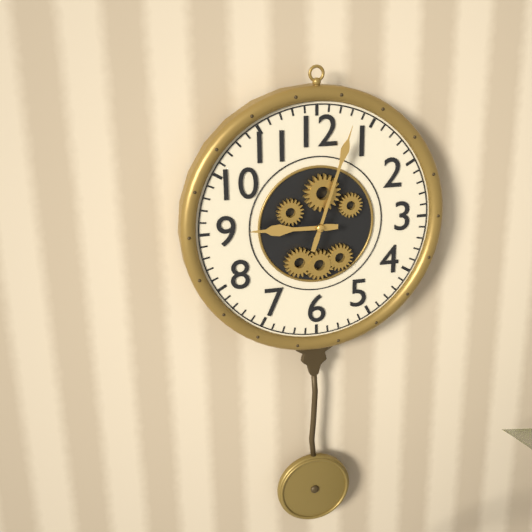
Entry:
9h03
